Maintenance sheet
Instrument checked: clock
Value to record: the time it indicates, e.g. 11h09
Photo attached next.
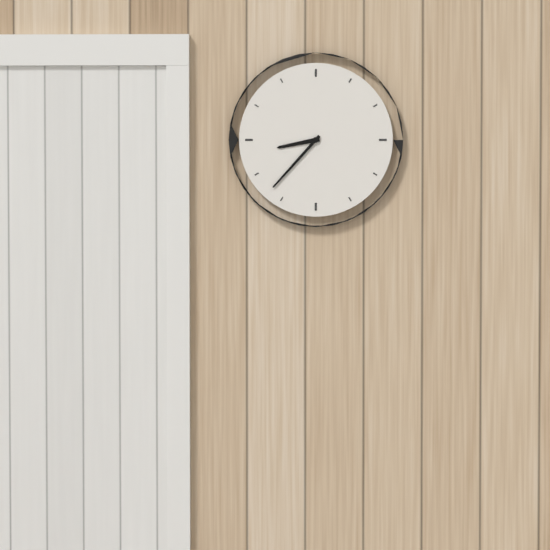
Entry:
8h37
